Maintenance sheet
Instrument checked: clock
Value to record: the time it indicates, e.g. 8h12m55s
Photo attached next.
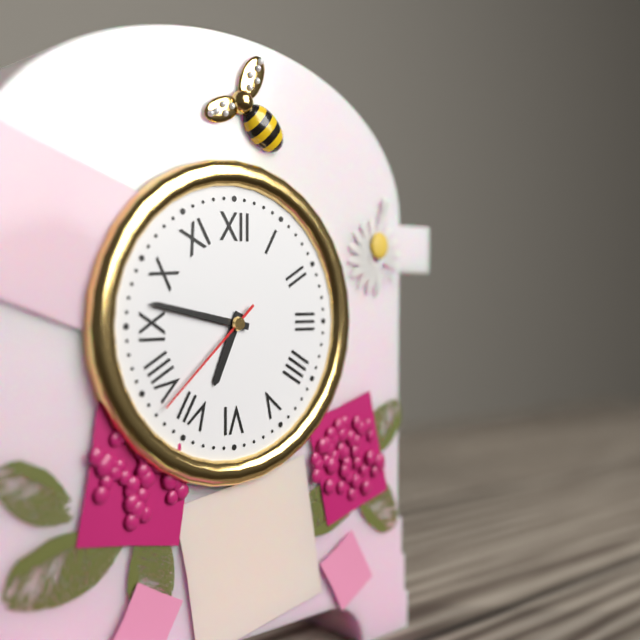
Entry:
6h47m38s
